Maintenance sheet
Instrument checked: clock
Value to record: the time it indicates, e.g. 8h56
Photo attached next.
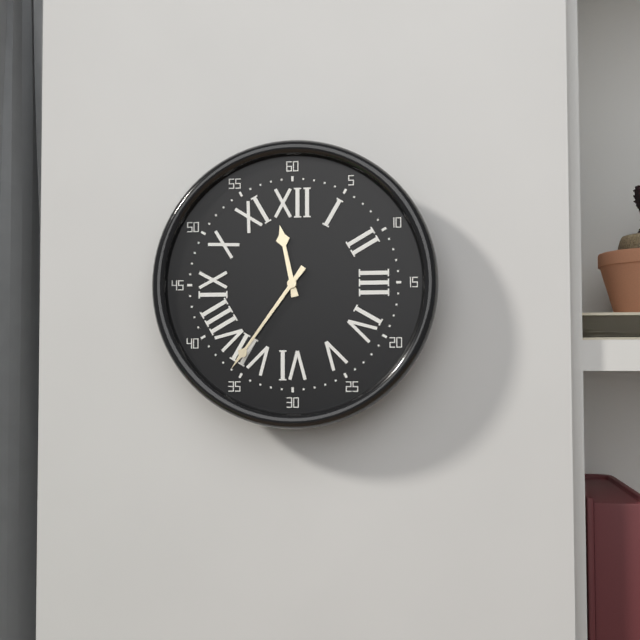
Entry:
11h36
